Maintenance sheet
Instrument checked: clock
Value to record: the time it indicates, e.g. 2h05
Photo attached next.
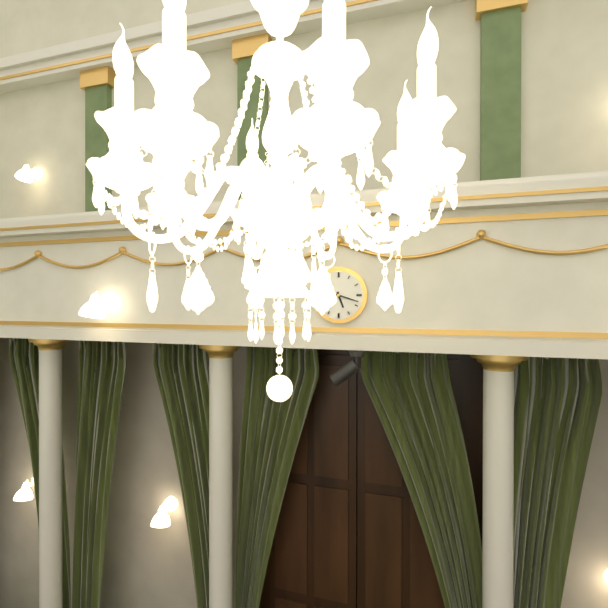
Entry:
5h18
